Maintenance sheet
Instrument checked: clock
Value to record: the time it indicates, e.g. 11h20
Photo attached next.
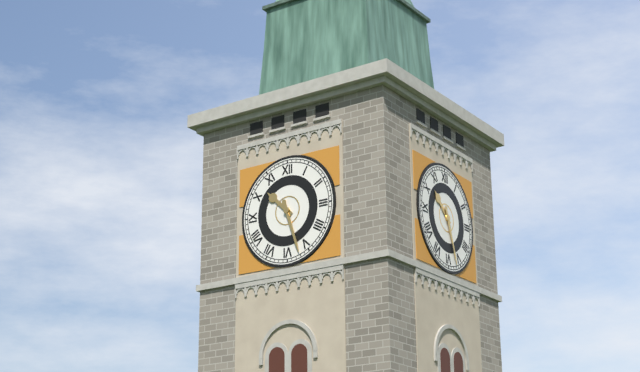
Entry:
10h27
